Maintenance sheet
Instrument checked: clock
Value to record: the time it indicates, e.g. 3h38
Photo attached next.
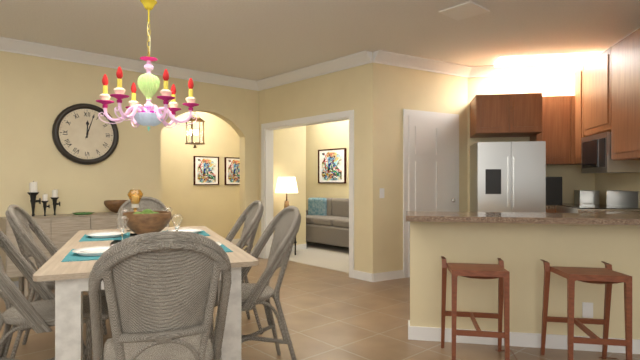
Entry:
12h03
